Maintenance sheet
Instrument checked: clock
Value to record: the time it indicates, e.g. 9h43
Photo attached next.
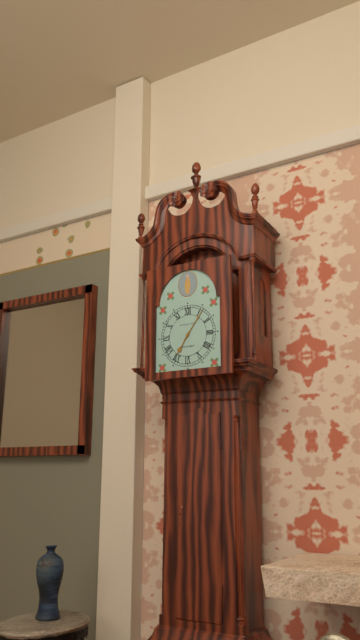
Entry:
7h06
